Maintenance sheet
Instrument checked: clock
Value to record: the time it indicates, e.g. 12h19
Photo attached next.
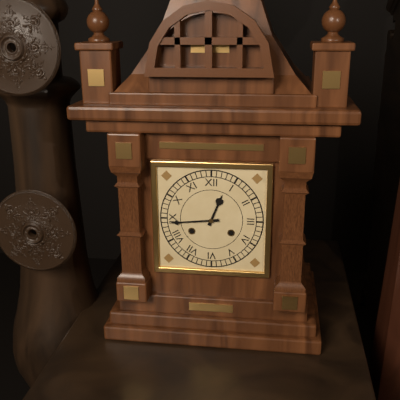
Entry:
12h44
